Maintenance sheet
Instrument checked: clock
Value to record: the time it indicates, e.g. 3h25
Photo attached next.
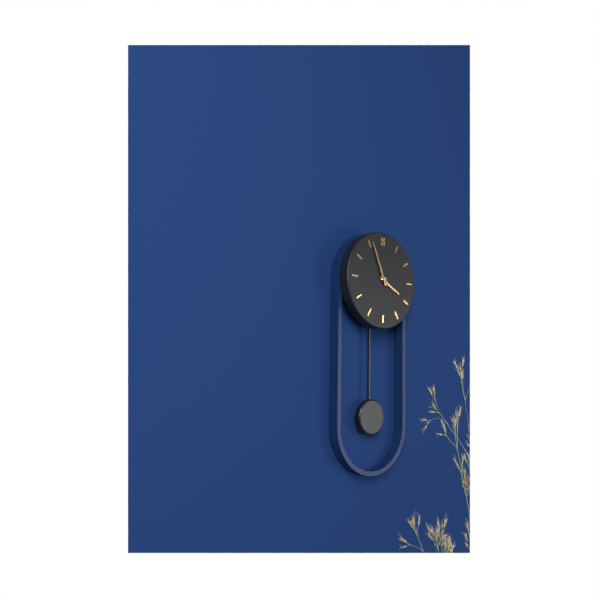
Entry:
3h56
